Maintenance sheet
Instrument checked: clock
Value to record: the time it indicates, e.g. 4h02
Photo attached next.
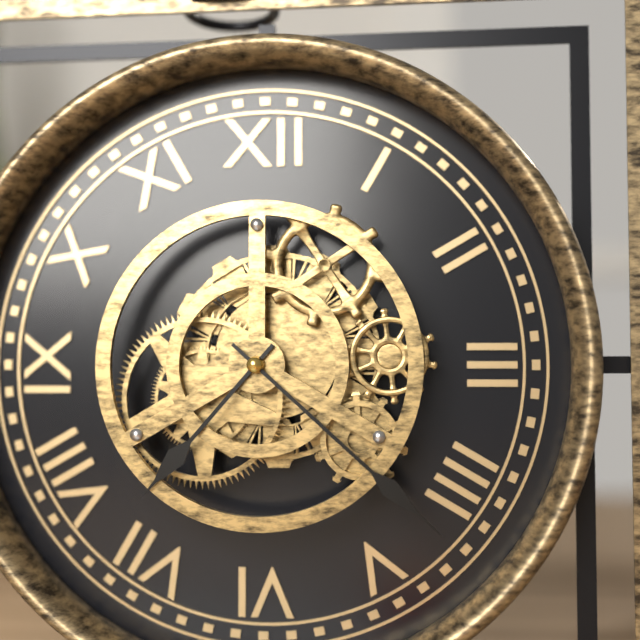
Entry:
7h22
